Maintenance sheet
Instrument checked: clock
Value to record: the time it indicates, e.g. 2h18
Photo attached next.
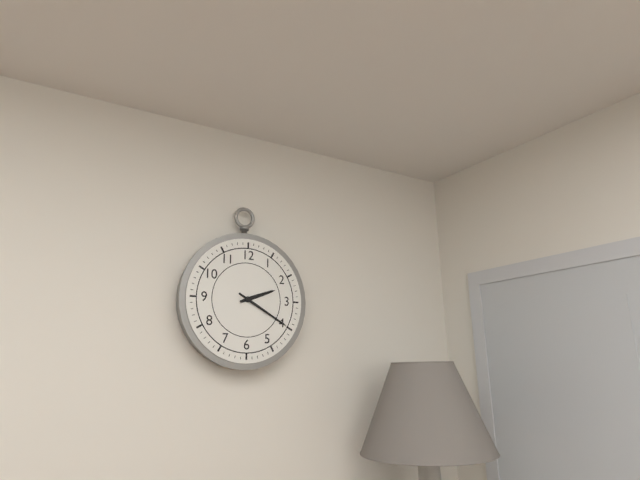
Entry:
2h20
